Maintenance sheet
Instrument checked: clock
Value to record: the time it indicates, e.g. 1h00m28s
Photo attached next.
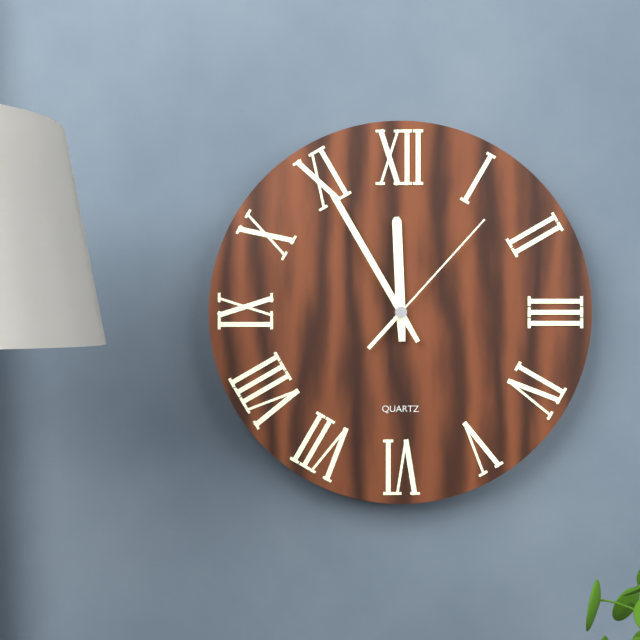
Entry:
11h55m07s
